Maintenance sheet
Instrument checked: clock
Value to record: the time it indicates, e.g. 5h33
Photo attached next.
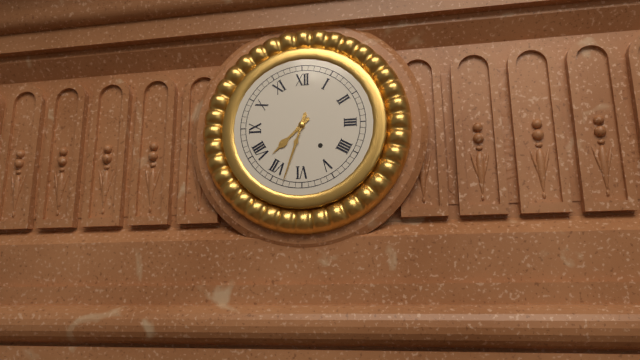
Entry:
7h33
